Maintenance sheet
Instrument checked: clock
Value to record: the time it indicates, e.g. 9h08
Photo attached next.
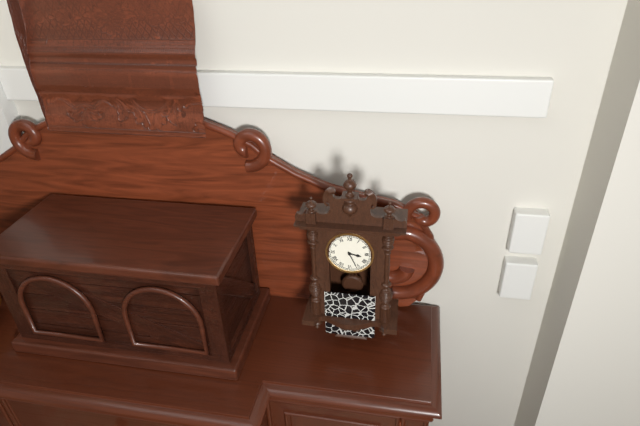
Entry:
3h26
